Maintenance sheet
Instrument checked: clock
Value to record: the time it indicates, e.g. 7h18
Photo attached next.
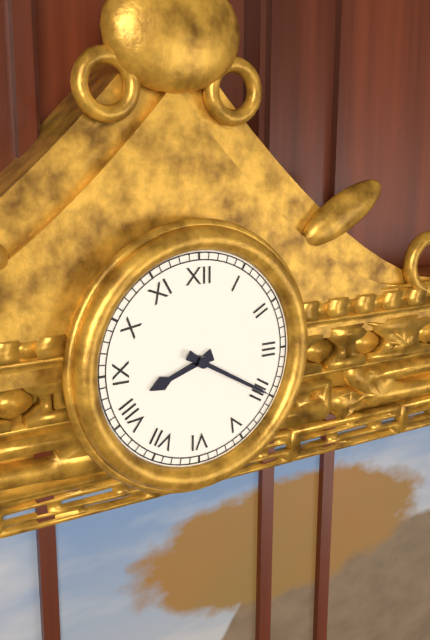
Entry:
8h20
